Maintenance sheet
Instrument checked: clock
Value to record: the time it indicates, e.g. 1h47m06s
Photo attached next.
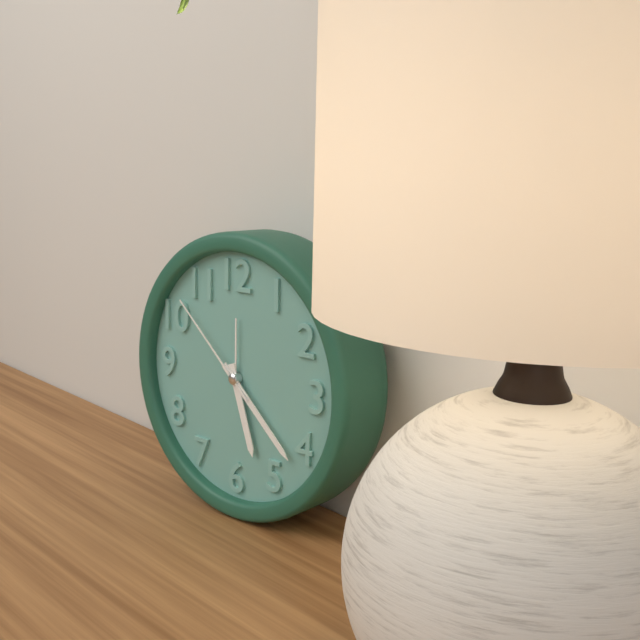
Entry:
5h22m52s
